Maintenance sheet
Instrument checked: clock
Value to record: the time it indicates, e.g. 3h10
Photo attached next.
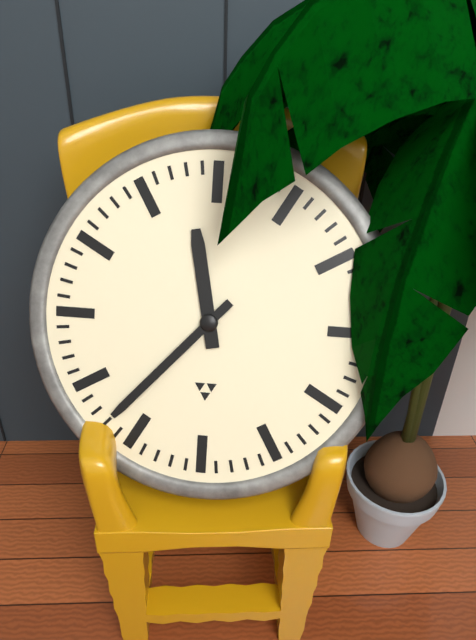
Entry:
11h37
